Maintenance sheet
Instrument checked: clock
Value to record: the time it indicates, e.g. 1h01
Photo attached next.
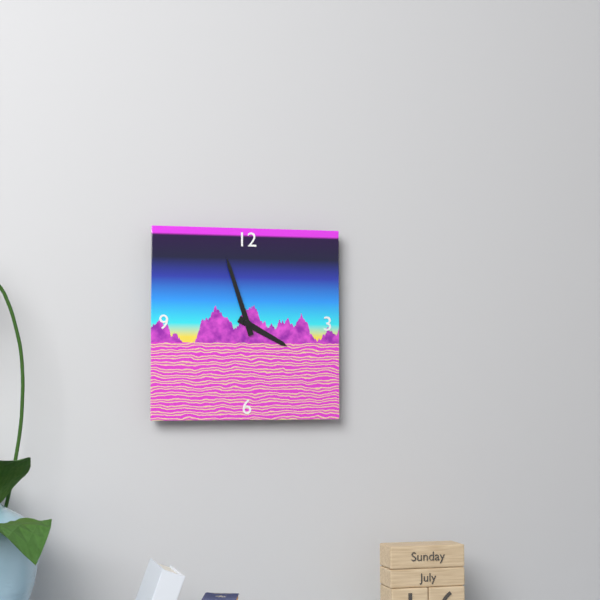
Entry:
3h57
